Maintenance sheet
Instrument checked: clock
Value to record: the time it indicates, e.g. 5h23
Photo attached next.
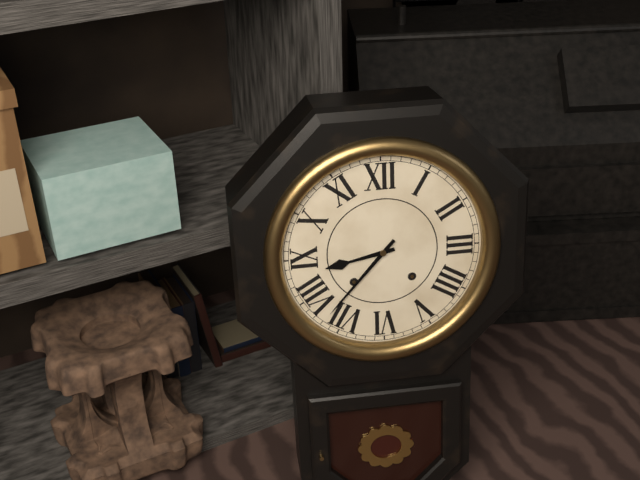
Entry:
8h37
